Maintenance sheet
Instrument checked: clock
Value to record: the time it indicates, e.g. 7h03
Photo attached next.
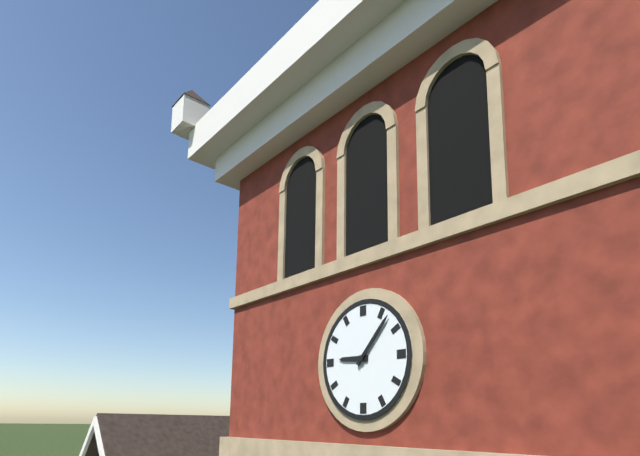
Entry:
9h07
